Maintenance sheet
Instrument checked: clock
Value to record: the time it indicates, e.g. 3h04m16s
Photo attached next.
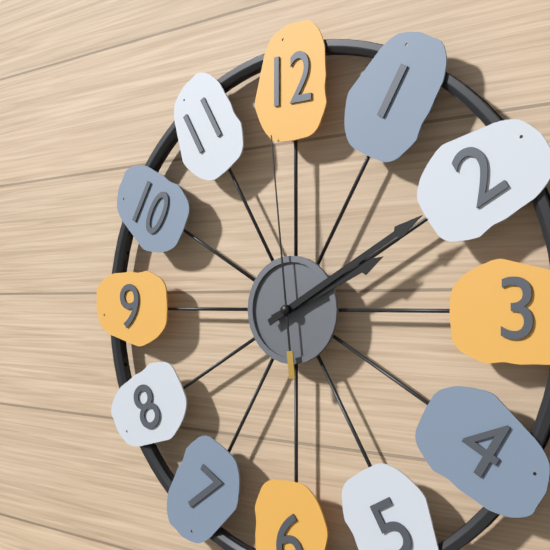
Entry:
2h10m59s
